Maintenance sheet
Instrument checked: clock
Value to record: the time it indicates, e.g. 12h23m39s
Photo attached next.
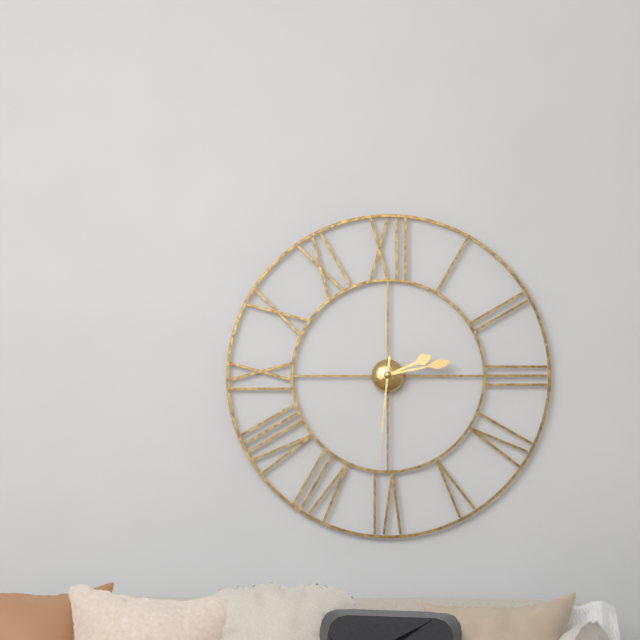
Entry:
2h13m31s
